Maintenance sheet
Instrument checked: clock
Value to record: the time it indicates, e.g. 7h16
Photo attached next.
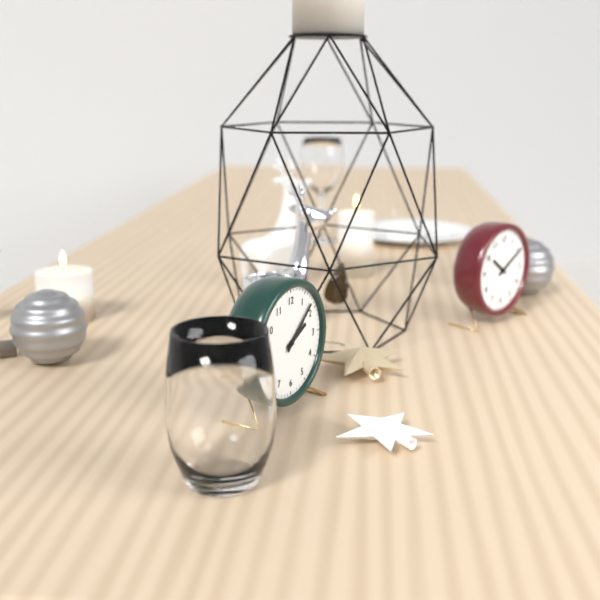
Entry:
2h08
